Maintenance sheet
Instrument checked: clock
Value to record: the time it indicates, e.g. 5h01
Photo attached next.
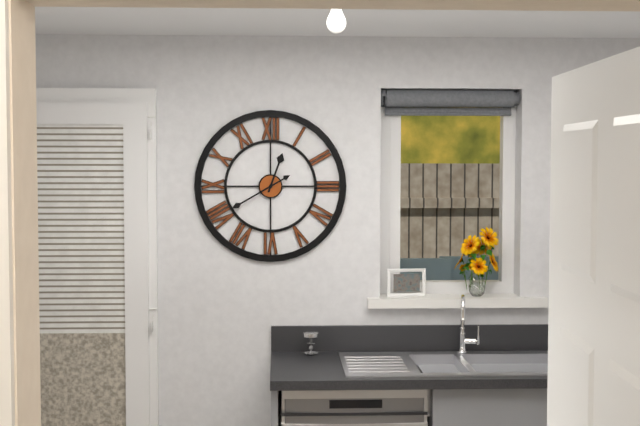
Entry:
12h40
